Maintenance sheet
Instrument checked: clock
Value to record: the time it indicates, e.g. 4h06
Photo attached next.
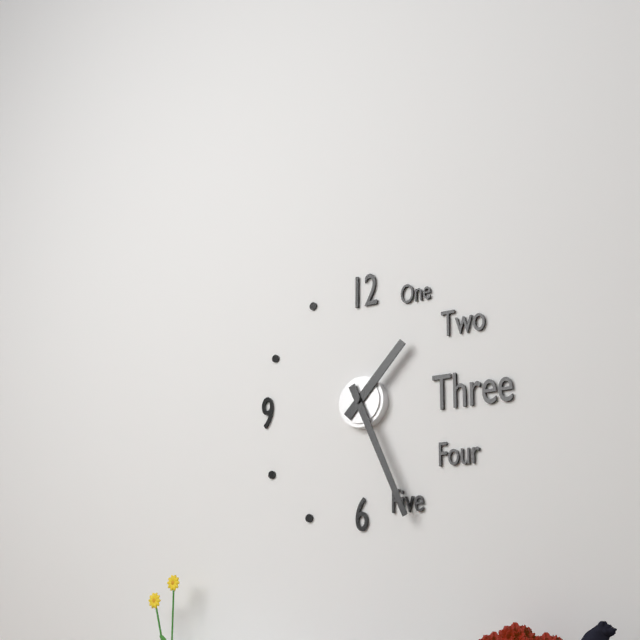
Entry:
1h26
